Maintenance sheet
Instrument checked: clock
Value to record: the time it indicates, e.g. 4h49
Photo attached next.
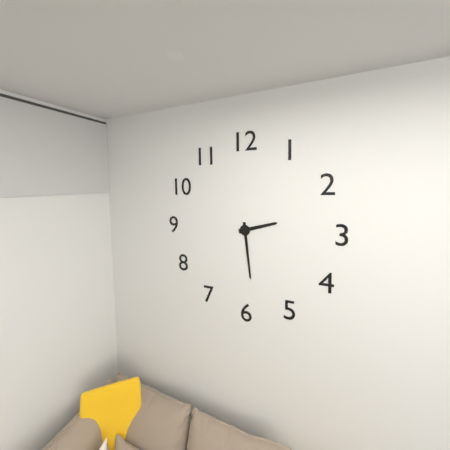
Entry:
2h29
